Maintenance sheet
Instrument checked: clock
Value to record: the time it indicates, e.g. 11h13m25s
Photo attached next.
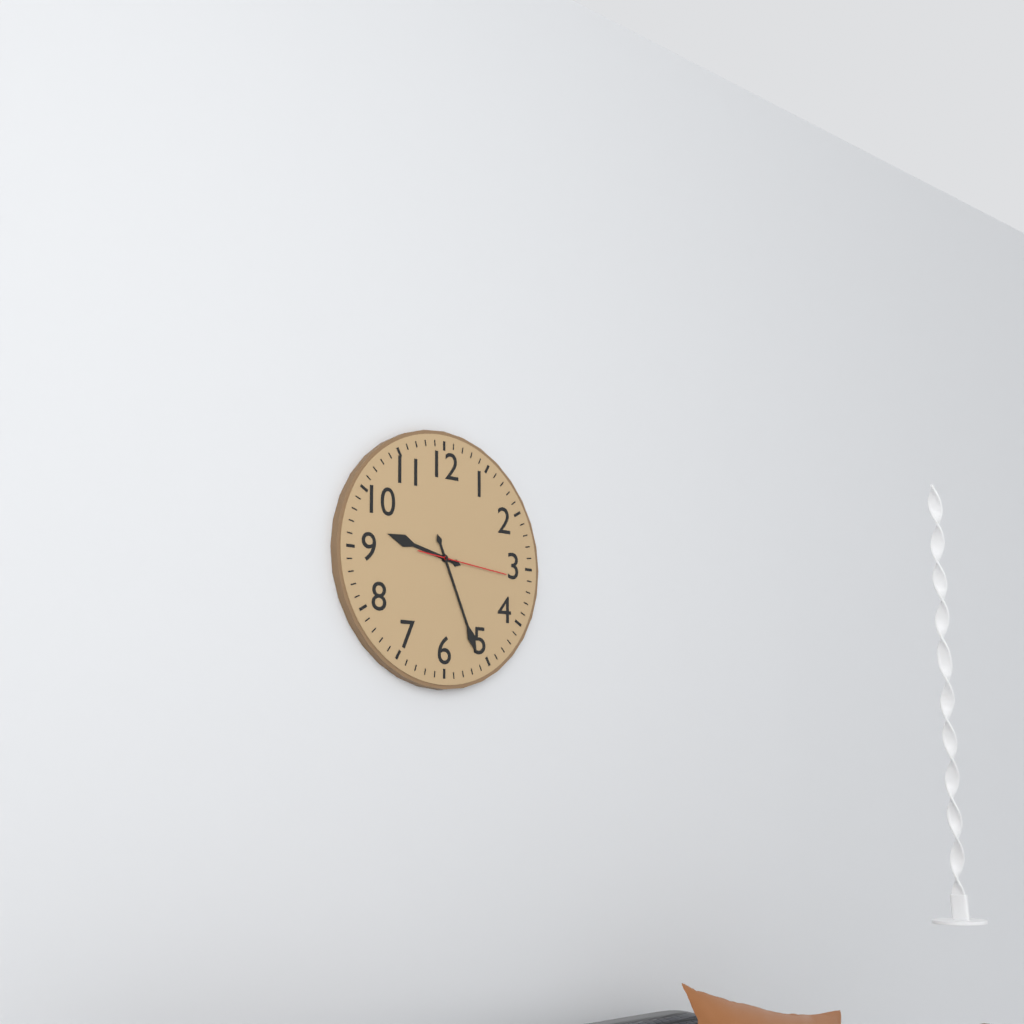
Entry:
9h26m16s
